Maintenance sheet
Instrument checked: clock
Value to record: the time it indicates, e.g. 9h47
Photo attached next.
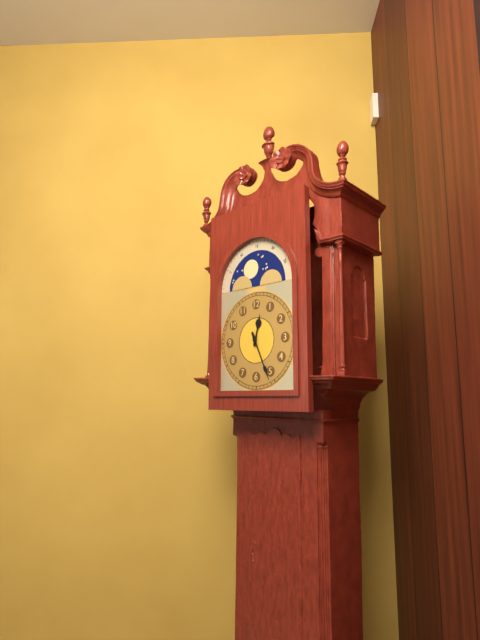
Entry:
12h26
